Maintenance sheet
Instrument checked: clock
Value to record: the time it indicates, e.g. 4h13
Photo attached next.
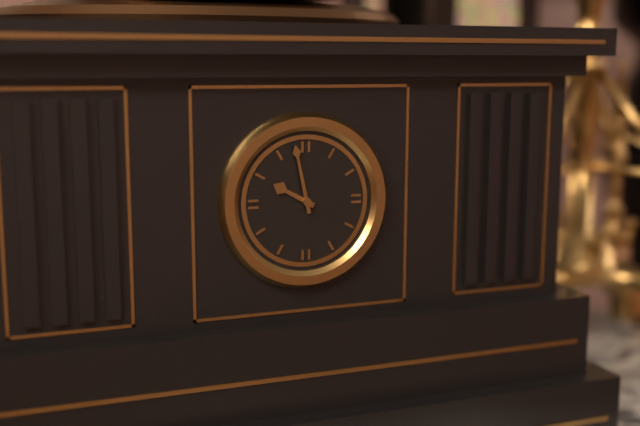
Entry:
9h58
